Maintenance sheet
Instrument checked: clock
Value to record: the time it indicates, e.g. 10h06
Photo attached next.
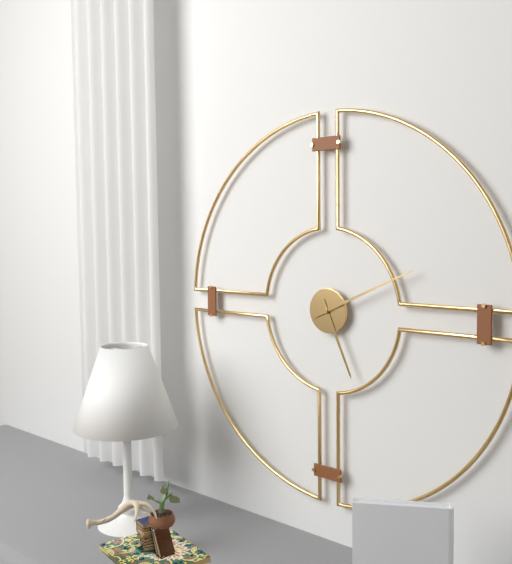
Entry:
5h11
